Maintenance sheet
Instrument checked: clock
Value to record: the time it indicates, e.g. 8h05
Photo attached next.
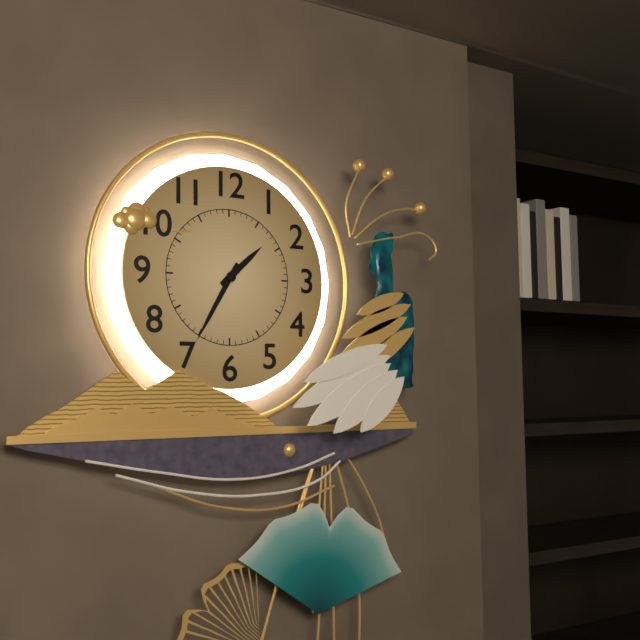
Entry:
1h35
